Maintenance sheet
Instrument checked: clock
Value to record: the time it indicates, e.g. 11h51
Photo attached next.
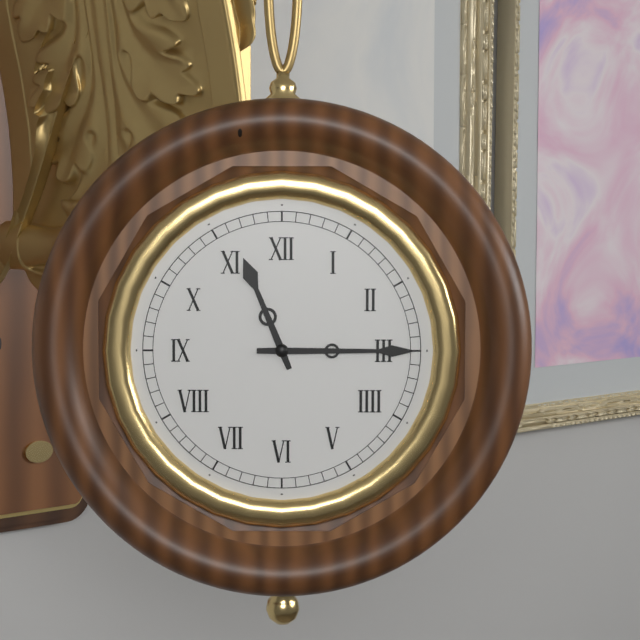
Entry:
11h15
